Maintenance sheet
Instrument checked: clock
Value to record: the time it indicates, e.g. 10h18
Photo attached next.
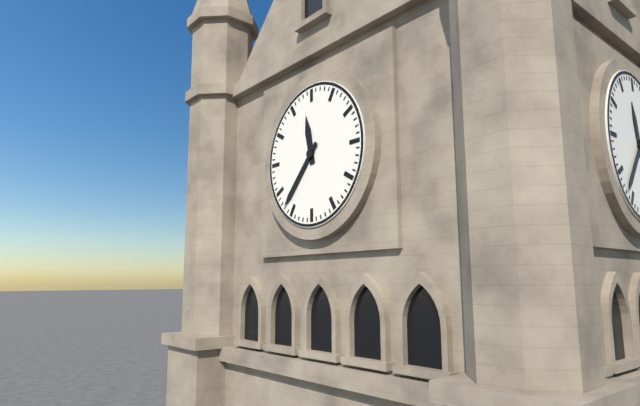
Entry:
11h37
